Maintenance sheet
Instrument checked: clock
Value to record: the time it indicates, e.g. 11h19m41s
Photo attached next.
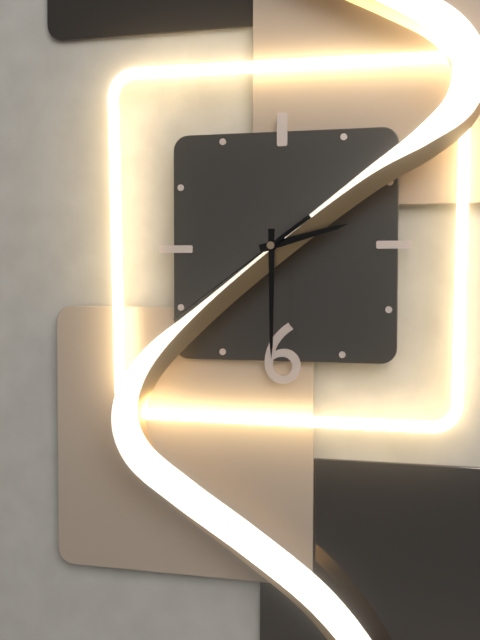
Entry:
2h30m39s
